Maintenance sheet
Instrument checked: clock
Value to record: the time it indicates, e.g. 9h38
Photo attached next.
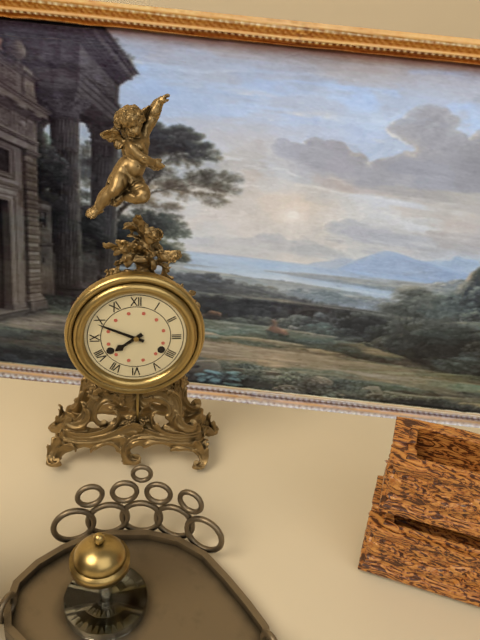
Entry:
7h49
